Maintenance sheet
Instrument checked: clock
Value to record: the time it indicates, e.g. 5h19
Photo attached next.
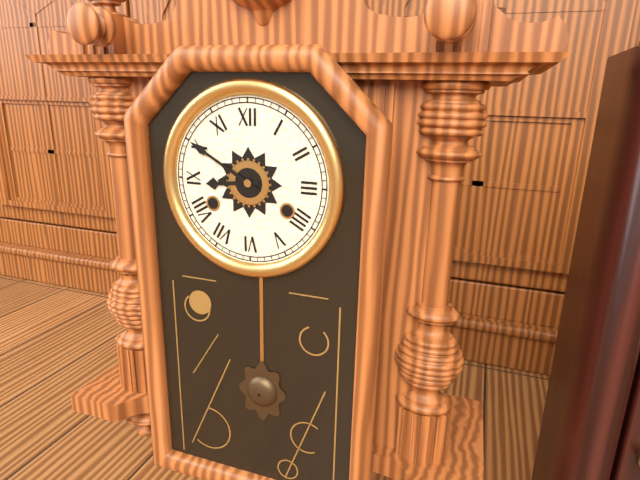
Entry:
8h50
